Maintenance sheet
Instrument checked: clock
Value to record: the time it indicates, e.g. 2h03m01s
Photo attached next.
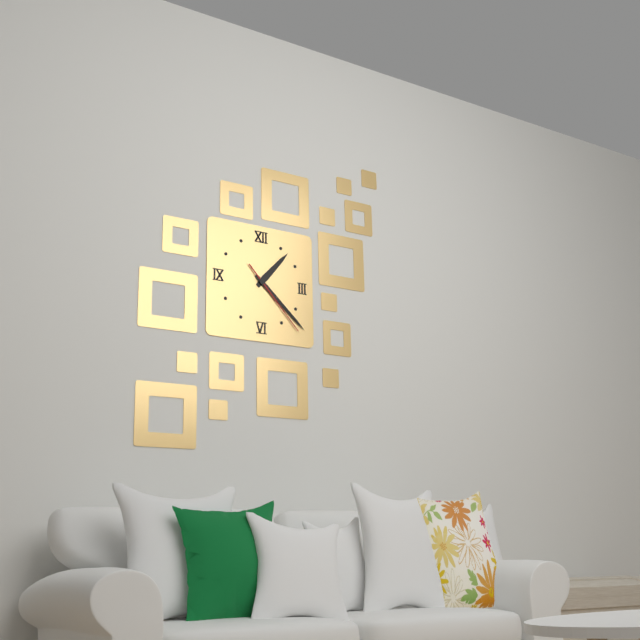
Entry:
1h22m23s
